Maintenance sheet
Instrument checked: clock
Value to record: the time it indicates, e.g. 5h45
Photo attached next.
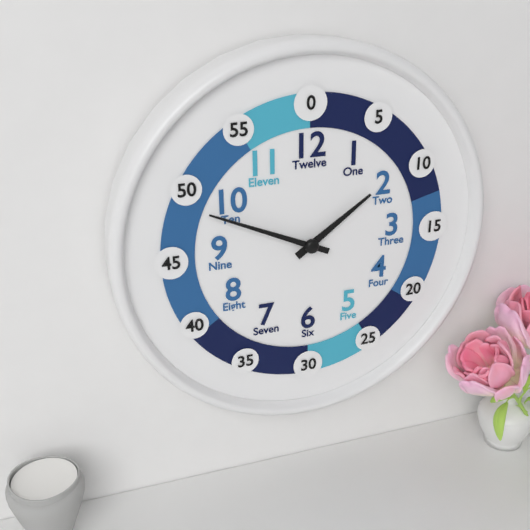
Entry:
1h49
